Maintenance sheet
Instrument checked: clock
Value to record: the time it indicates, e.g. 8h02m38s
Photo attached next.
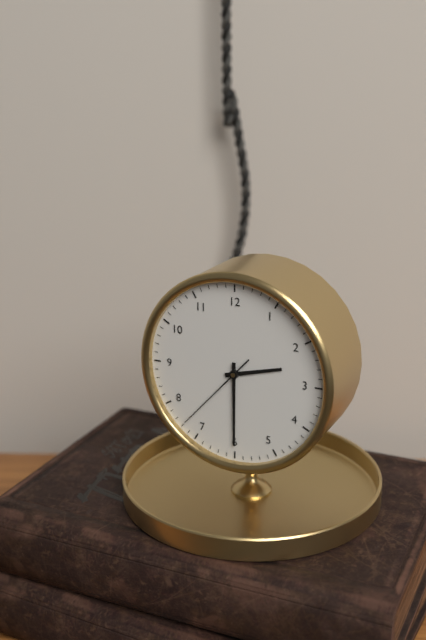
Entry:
2h30m37s
